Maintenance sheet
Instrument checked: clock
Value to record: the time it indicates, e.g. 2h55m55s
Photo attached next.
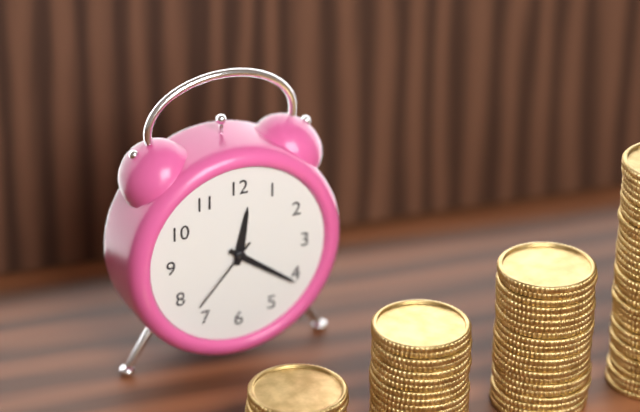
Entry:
12h21m37s
